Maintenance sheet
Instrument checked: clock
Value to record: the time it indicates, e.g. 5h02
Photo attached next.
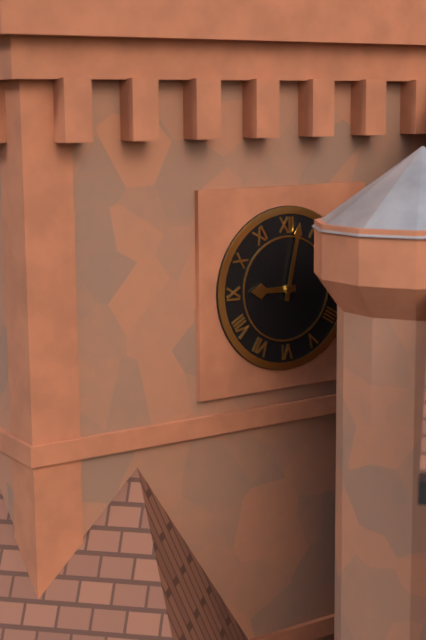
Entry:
9h02
